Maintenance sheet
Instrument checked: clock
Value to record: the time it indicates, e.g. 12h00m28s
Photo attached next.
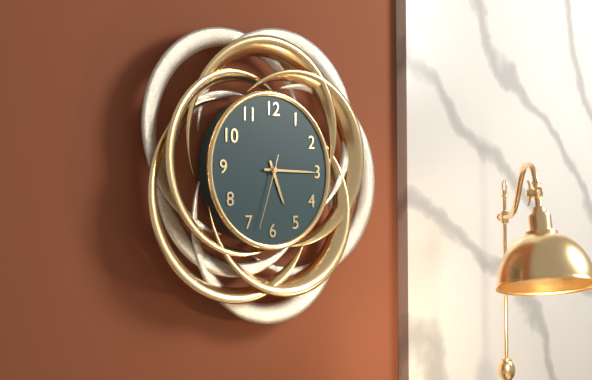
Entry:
5h15m33s
